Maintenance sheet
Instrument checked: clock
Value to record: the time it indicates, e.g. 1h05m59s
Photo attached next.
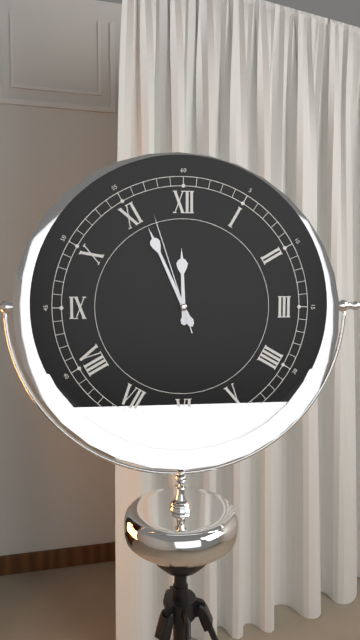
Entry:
11h56m57s
